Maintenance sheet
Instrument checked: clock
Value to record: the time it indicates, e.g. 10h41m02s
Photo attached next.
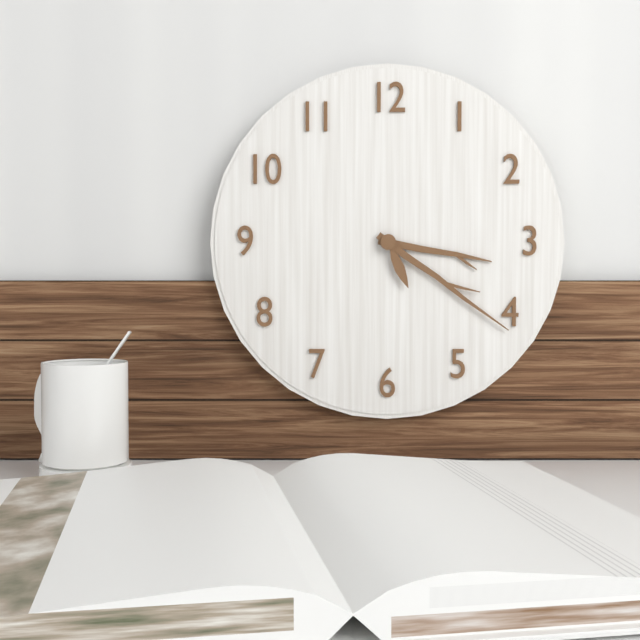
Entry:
3h21m26s
